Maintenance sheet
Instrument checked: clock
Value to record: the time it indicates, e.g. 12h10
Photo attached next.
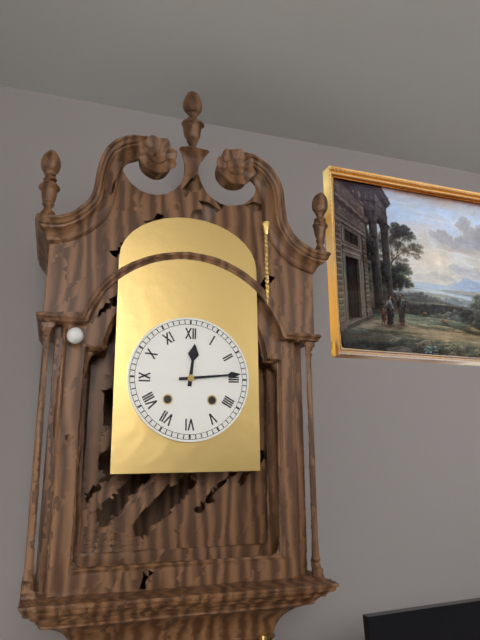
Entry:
12h14
